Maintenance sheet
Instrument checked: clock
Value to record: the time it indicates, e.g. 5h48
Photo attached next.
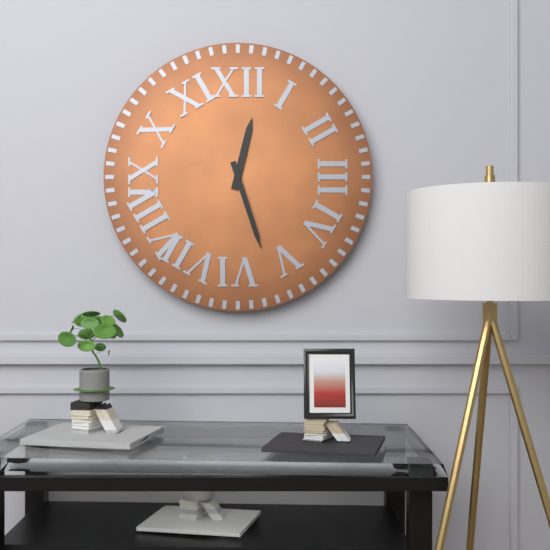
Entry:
12h27
